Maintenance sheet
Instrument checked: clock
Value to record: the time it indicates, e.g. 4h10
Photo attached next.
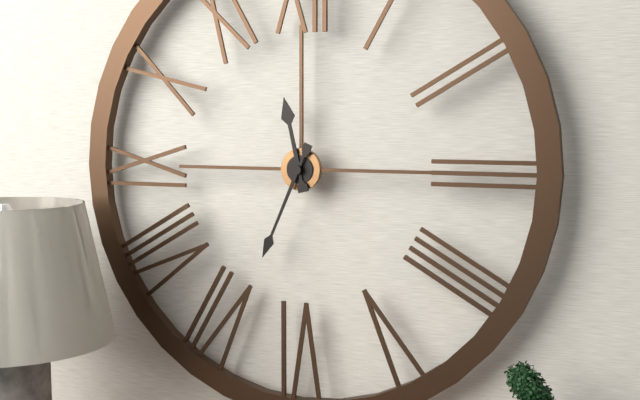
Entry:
11h34
